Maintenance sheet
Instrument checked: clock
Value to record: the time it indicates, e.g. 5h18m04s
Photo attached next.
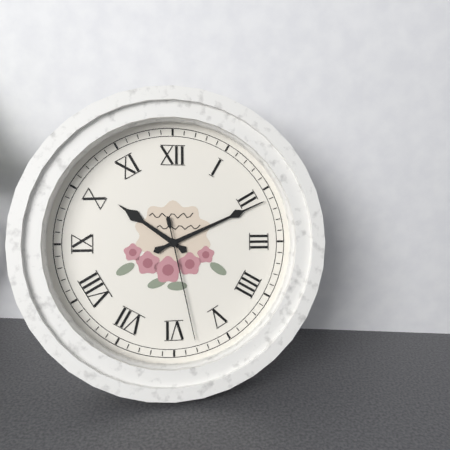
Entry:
10h11m28s
